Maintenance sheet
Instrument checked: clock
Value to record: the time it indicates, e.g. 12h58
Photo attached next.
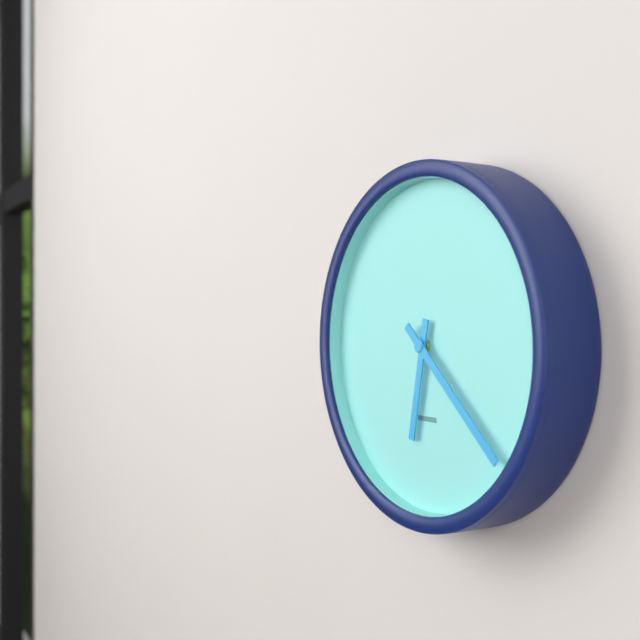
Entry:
6h22
